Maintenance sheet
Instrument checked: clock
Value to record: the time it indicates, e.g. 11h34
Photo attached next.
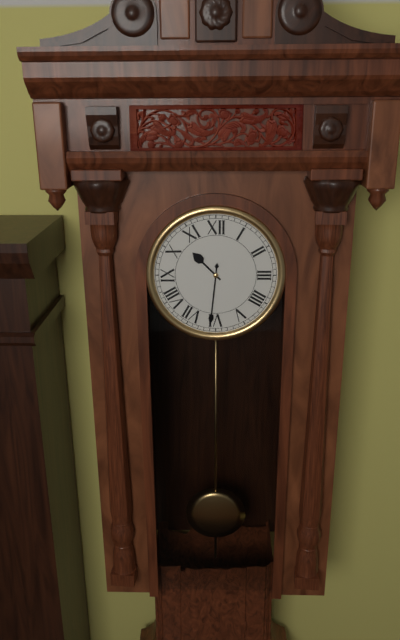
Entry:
10h31
